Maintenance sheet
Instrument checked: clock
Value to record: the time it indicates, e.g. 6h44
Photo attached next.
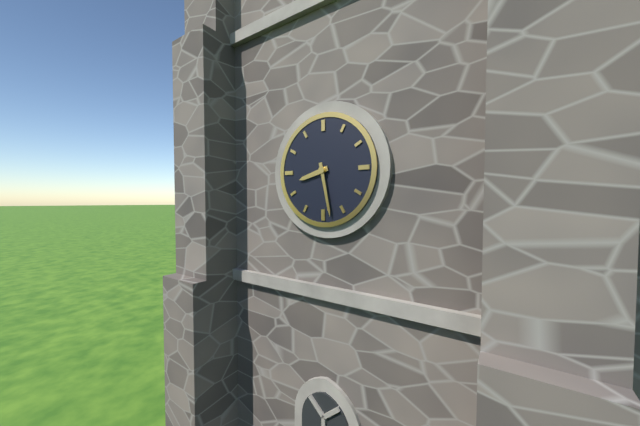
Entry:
8h28
